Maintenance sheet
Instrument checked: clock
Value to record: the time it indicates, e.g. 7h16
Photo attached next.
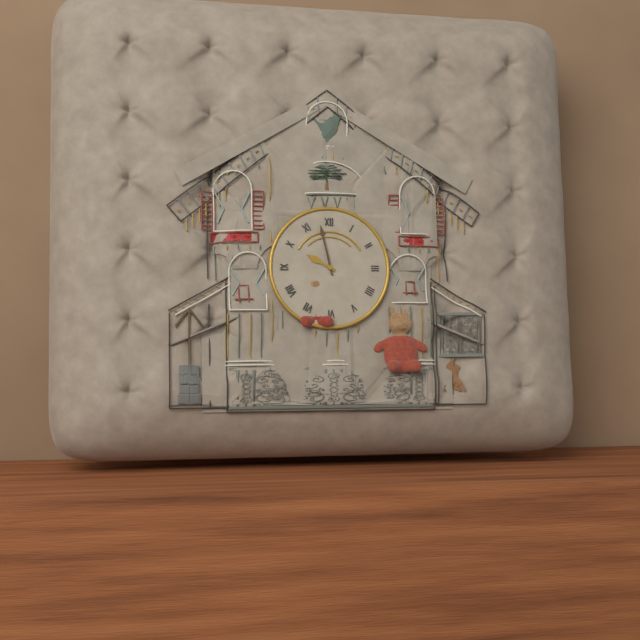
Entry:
9h58
